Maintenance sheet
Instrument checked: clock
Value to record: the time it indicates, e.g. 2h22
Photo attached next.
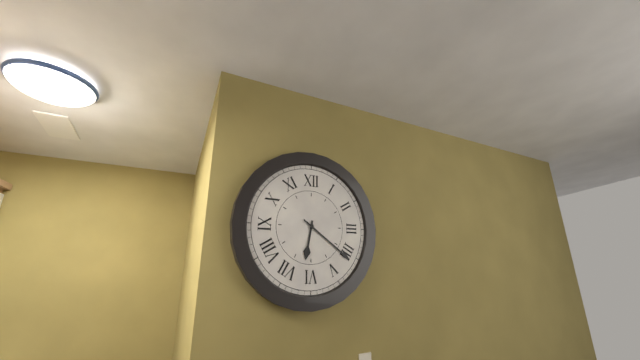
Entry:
6h21
